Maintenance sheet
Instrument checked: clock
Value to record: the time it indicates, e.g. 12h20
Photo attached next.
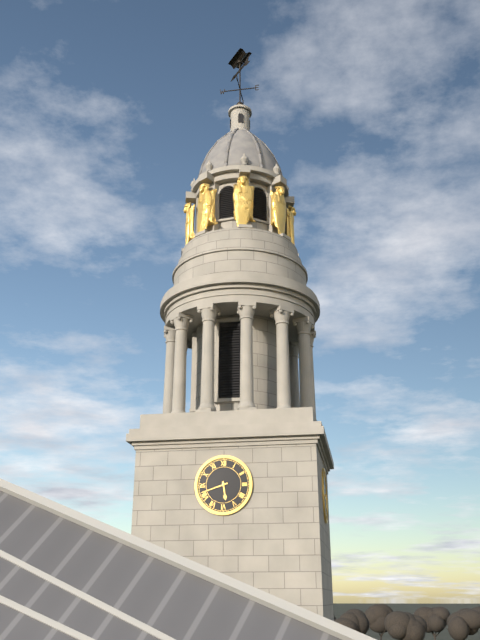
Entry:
5h42
